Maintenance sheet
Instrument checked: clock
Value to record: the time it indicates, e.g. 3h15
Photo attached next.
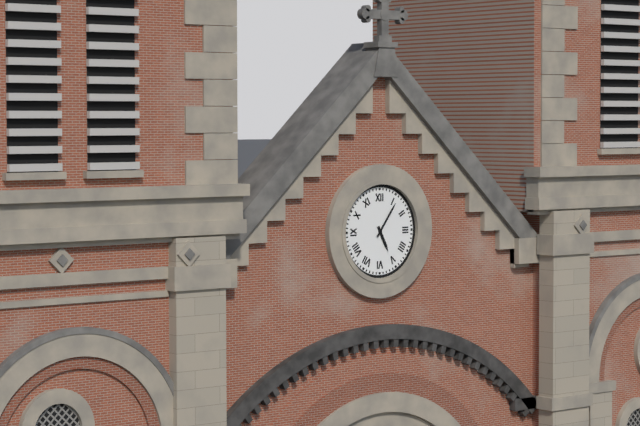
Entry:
5h06
